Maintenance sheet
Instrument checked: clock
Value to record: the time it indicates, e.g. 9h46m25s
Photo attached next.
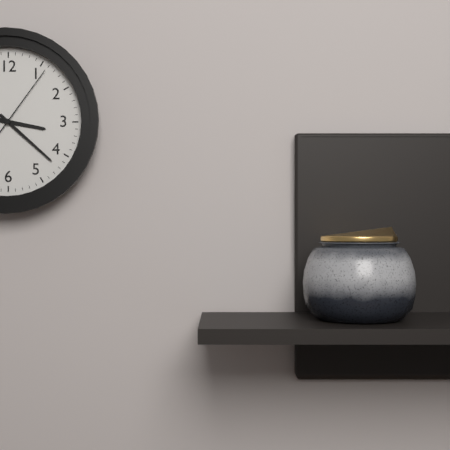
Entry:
3h22m06s
